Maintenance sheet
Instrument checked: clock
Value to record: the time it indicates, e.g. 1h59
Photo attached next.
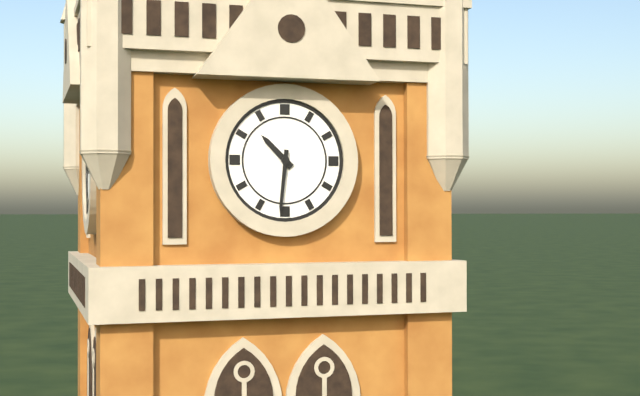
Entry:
10h31
